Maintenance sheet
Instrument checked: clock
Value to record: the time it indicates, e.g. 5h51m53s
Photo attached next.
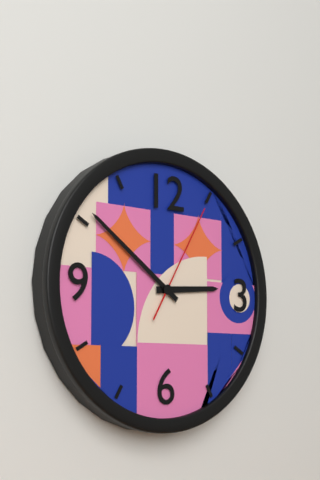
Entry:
2h51m05s
